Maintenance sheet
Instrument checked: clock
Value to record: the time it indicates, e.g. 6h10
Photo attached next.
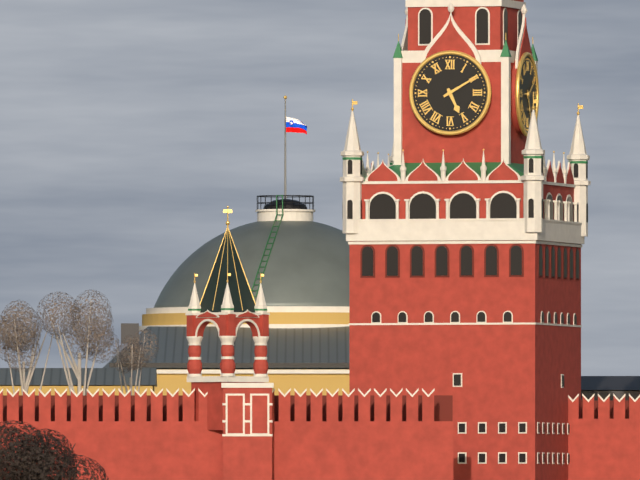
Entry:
5h10
